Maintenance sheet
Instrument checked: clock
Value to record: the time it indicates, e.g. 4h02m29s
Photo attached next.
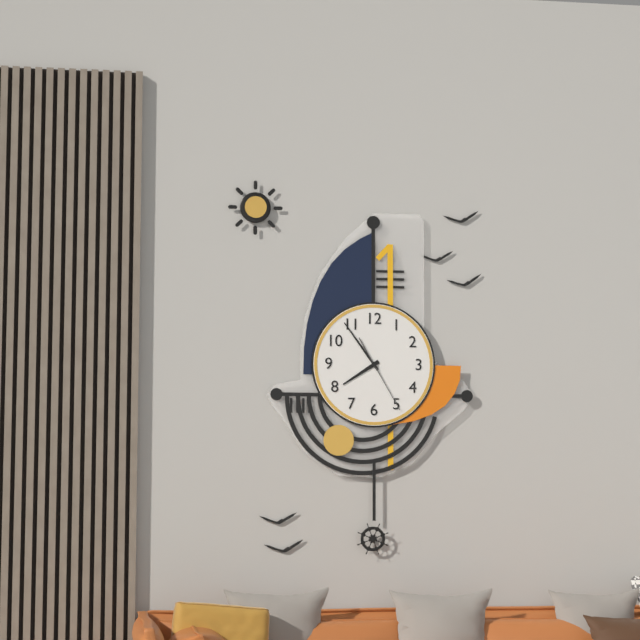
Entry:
7h54m25s
